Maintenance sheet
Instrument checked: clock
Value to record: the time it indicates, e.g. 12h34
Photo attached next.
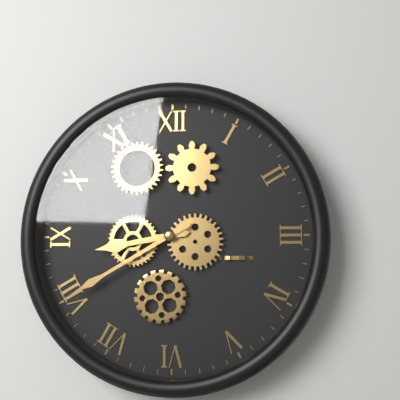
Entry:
8h40
